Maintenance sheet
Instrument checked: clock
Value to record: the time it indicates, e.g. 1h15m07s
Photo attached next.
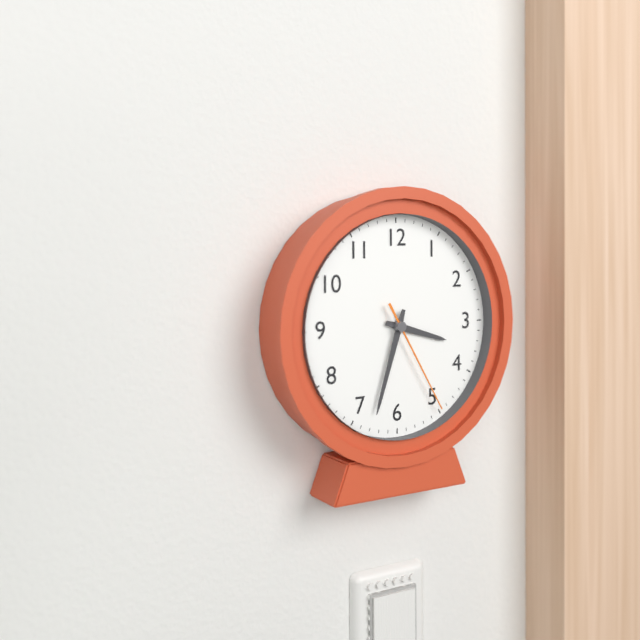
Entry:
3h33m25s
